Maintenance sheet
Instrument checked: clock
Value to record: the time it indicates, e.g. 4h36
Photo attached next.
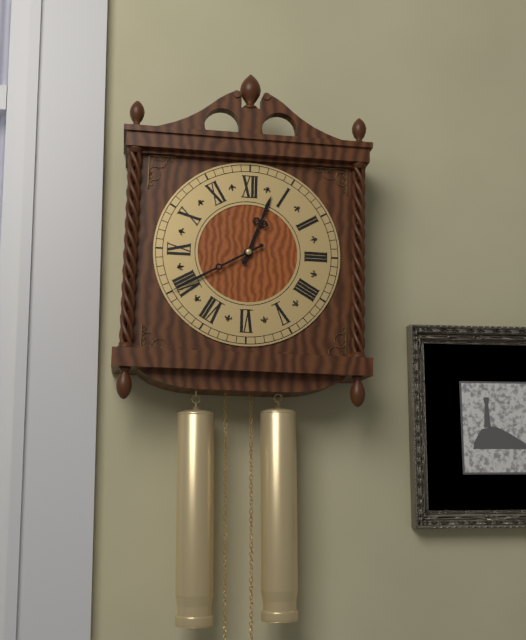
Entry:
12h40
